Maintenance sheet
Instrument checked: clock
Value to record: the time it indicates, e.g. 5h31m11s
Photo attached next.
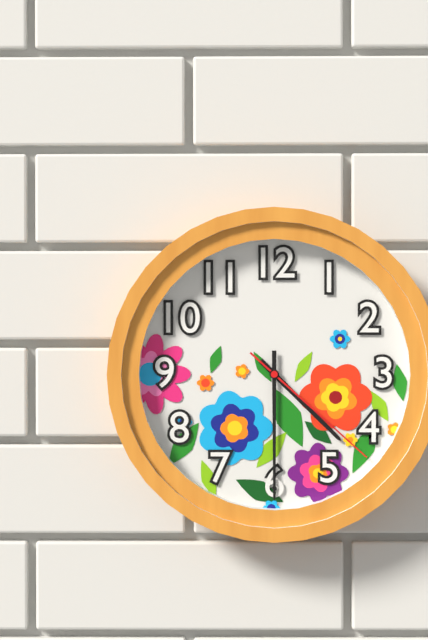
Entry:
4h30m22s
